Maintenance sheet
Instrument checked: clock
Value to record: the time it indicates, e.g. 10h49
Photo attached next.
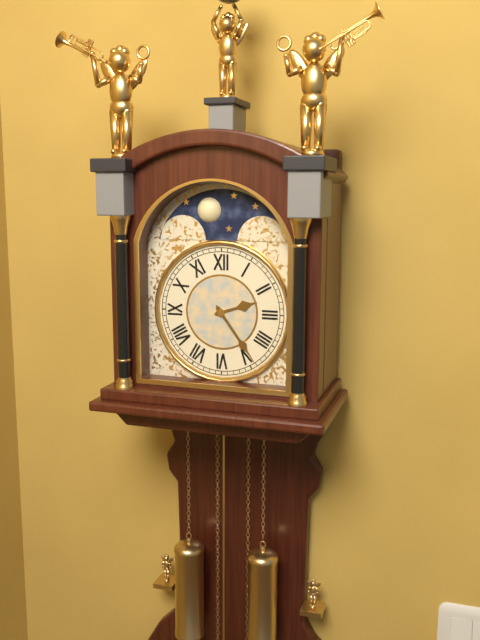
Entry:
2h24
